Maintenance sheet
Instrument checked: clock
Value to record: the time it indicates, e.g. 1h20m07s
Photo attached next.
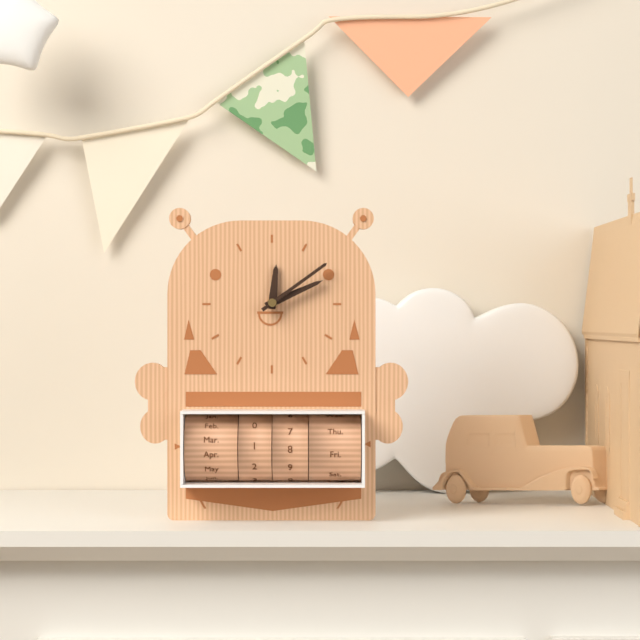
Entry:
12h11m09s
